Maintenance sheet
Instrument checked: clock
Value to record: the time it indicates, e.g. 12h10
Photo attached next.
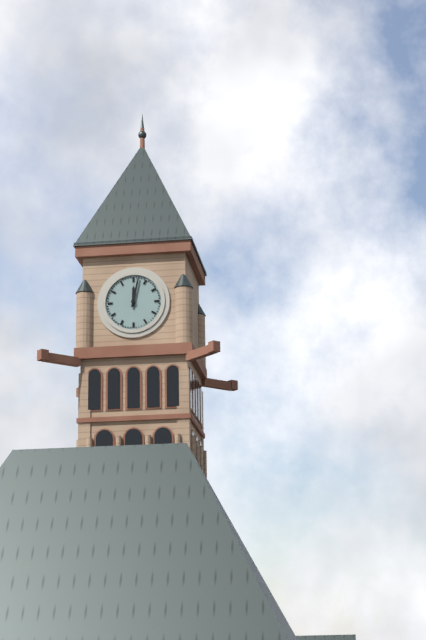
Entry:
12h02
